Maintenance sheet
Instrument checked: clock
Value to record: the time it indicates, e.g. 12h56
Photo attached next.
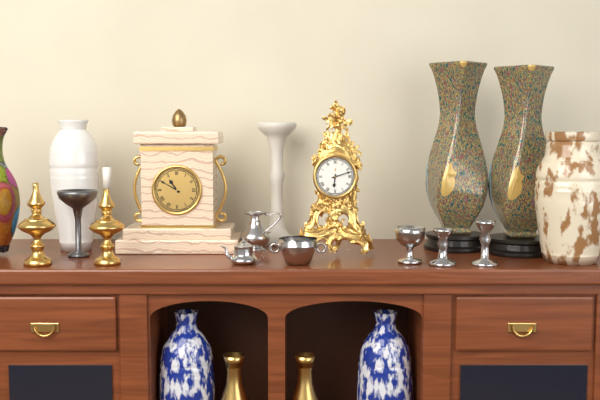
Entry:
6h12
